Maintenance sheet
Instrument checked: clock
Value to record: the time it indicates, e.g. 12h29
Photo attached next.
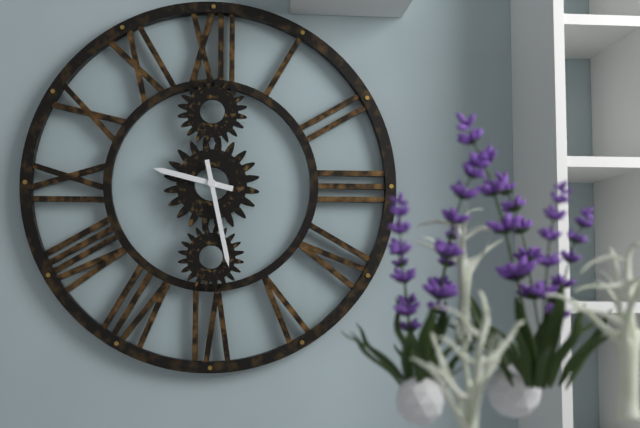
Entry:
9h28
